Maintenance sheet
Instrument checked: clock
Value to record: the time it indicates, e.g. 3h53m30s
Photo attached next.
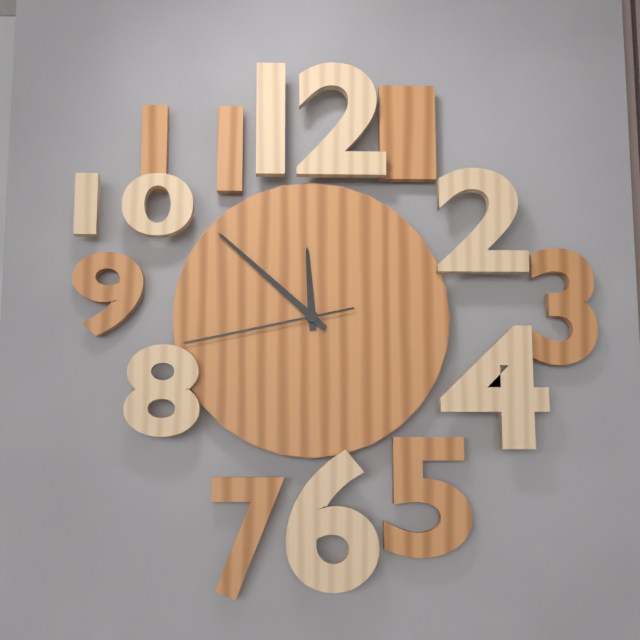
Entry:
11h52m43s
